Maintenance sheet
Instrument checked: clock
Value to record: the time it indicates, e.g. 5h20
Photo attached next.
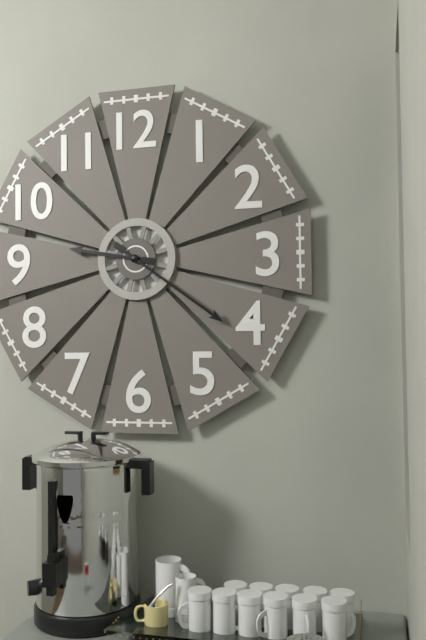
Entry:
9h21
